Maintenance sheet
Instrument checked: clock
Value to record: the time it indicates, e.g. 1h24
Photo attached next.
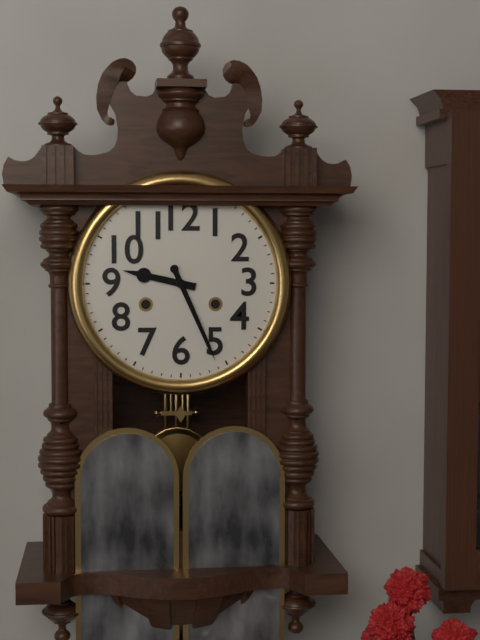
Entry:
9h26
